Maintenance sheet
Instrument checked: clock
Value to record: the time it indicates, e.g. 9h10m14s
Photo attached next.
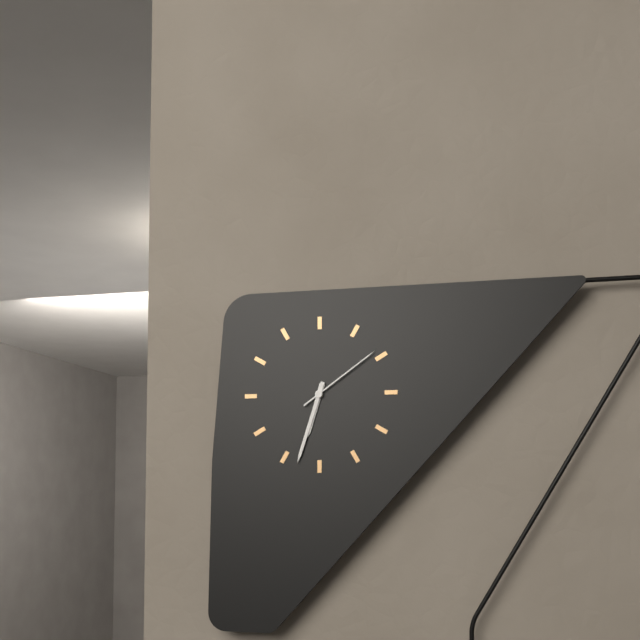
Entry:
6h33m09s
